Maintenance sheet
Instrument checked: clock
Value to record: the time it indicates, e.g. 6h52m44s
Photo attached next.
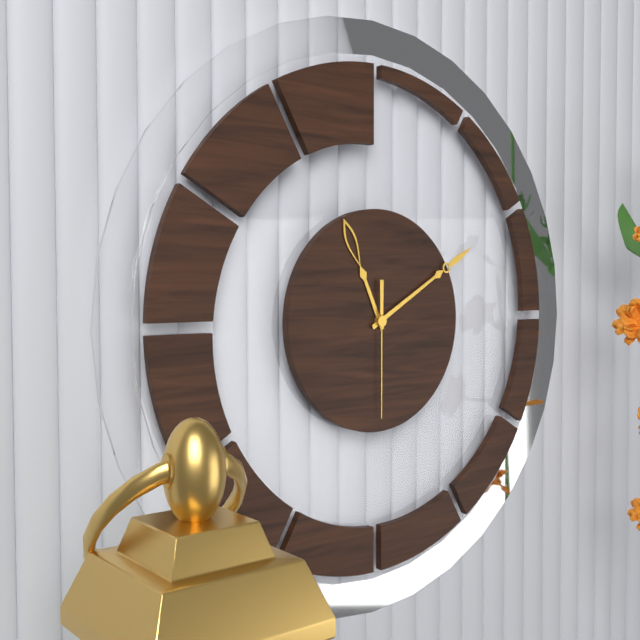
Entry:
11h10m30s
